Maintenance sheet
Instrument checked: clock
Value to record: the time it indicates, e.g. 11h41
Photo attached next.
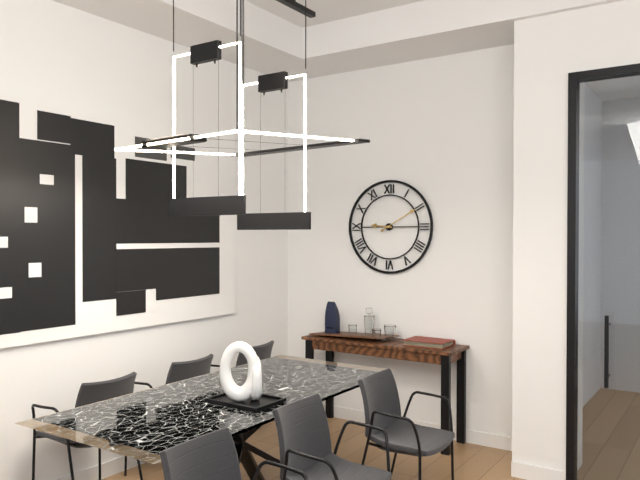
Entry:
9h10
